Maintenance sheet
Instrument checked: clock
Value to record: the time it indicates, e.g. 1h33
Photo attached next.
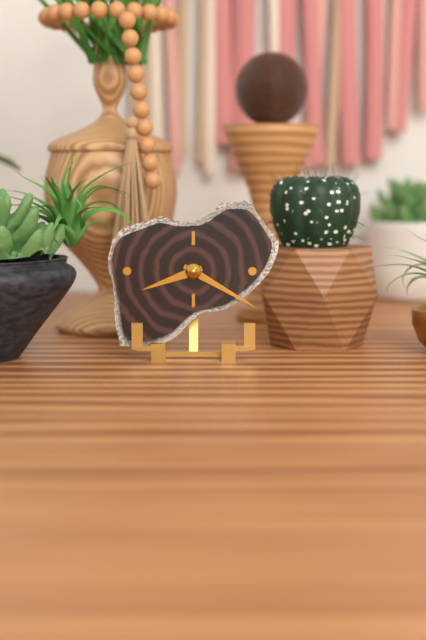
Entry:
8h20
